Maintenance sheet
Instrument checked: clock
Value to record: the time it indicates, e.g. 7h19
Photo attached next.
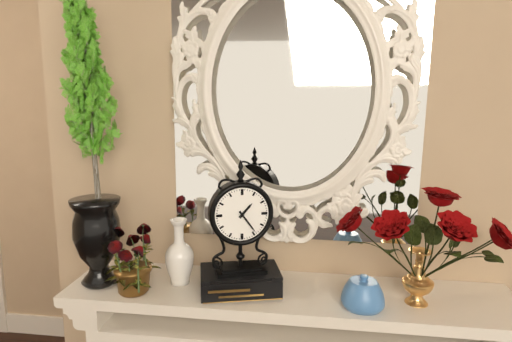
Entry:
1h24
